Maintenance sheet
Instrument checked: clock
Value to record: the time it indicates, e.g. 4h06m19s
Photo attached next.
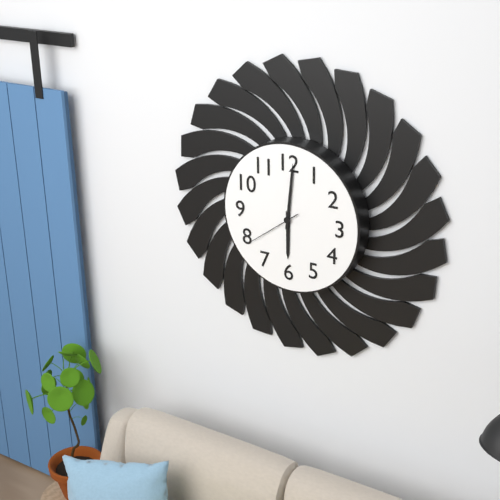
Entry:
6h01m39s
